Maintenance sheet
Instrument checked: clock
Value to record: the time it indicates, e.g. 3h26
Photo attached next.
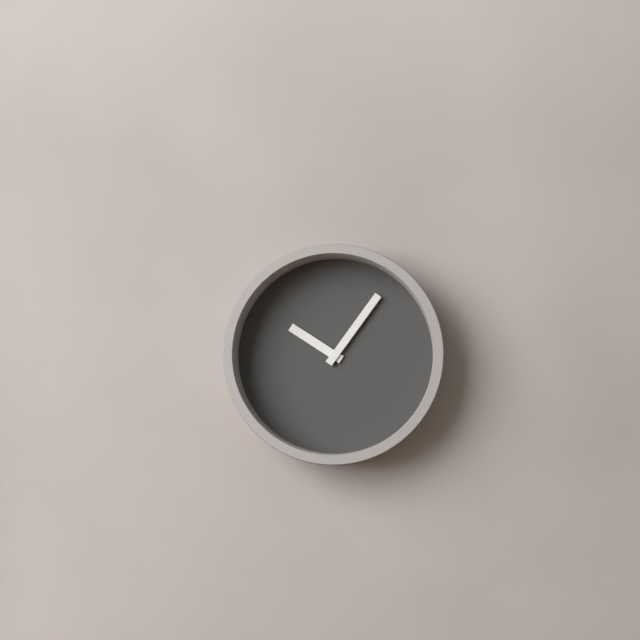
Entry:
10h06
